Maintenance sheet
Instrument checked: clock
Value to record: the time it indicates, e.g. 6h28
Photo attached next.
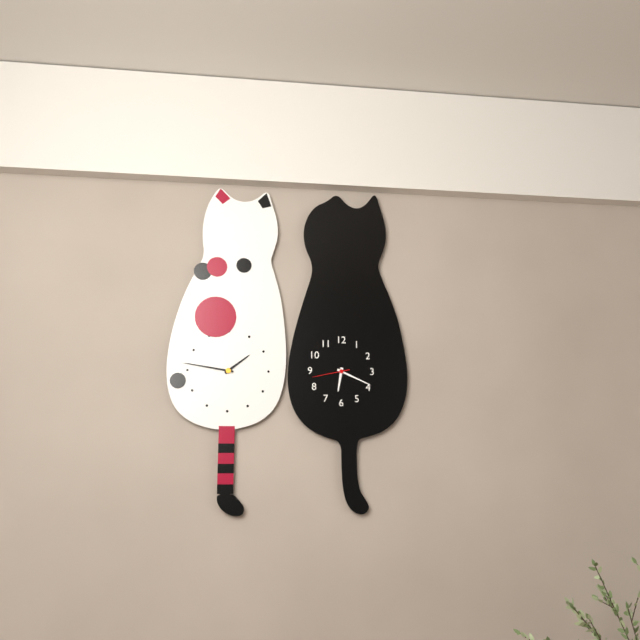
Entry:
6h19
